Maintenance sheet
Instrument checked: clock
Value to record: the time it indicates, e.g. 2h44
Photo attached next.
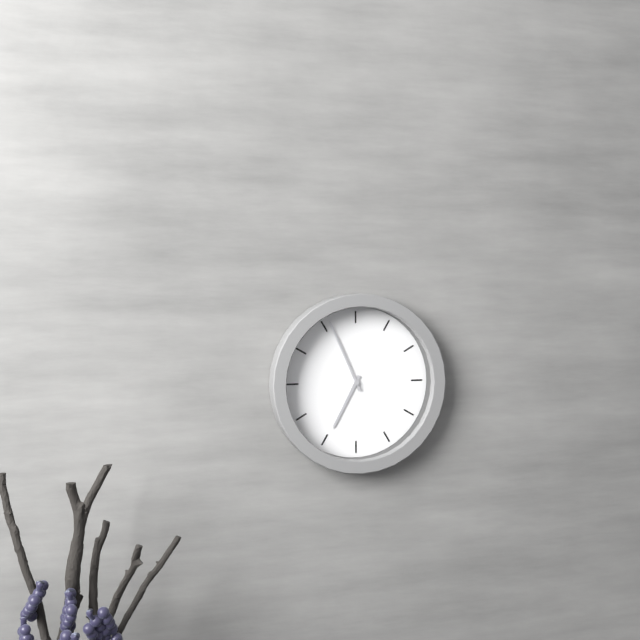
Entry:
6h56
